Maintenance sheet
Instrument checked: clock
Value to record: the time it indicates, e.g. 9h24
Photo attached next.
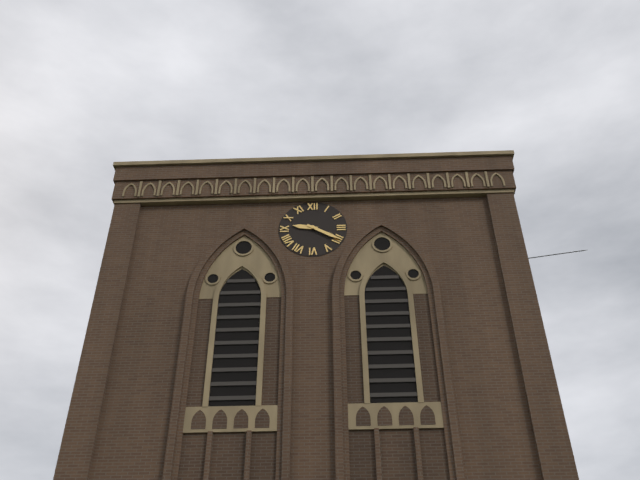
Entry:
9h20
